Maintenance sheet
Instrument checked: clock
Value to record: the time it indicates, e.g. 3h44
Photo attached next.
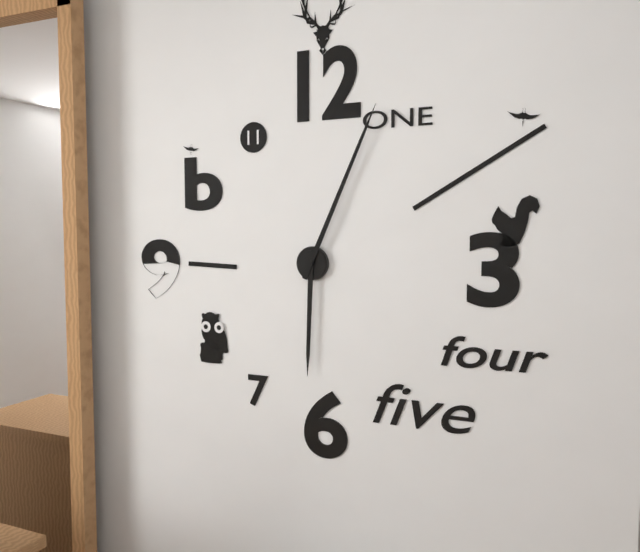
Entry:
6h04
